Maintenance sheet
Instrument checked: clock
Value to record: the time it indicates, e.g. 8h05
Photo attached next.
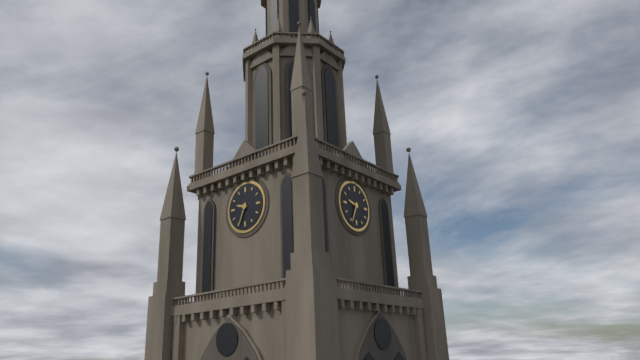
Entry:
9h34
